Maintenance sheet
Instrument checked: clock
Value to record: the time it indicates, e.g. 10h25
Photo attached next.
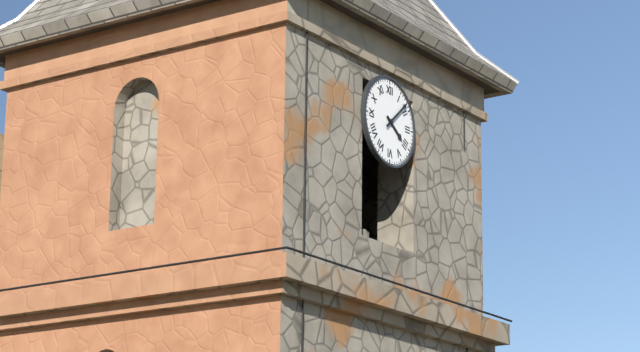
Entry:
4h08
